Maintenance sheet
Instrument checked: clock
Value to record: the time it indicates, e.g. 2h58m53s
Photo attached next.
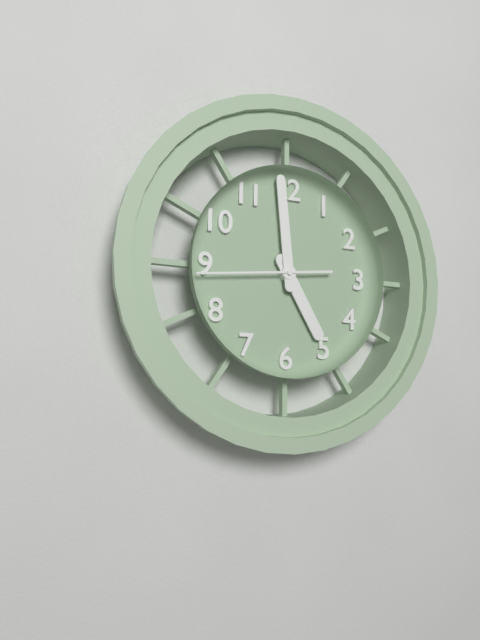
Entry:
4h59m44s
